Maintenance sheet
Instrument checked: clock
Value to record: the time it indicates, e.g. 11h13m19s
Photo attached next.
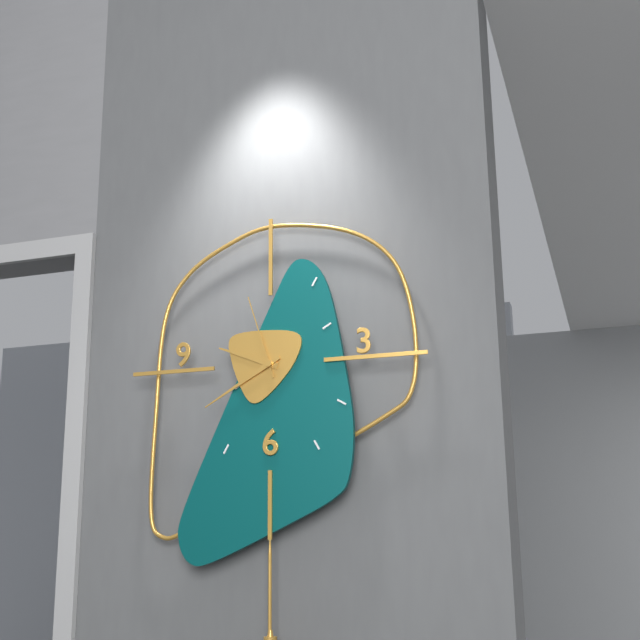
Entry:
9h40m57s
